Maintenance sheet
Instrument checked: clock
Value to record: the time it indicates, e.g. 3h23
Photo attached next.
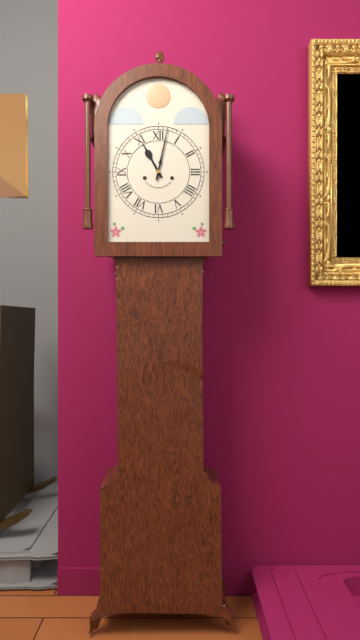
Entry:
11h02
